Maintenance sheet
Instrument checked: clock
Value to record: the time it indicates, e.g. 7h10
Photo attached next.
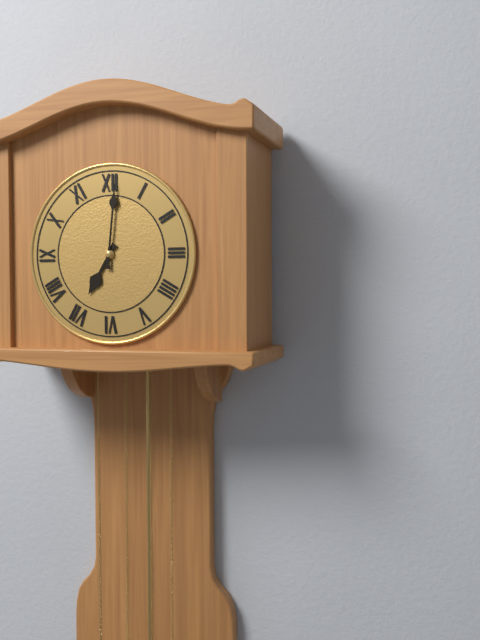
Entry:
7h01
